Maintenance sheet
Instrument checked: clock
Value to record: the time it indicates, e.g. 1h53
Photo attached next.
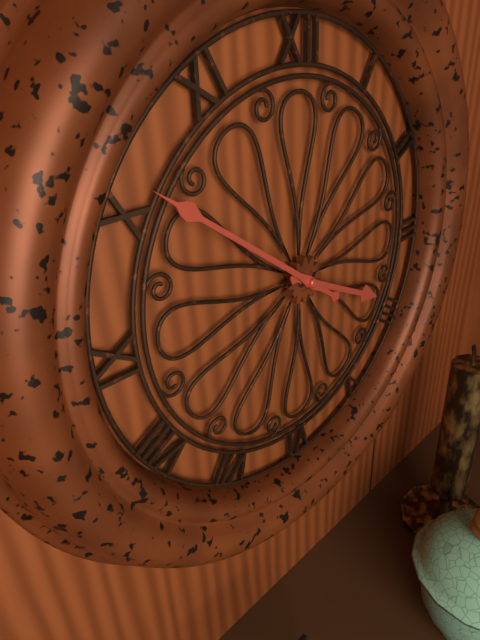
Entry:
3h51
